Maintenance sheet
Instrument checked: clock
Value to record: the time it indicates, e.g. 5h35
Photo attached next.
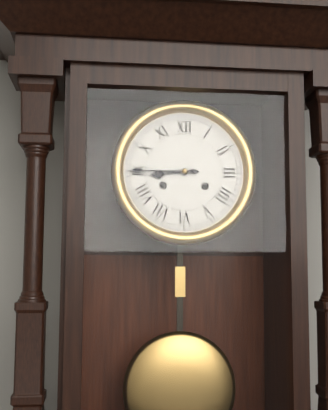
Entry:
8h45
